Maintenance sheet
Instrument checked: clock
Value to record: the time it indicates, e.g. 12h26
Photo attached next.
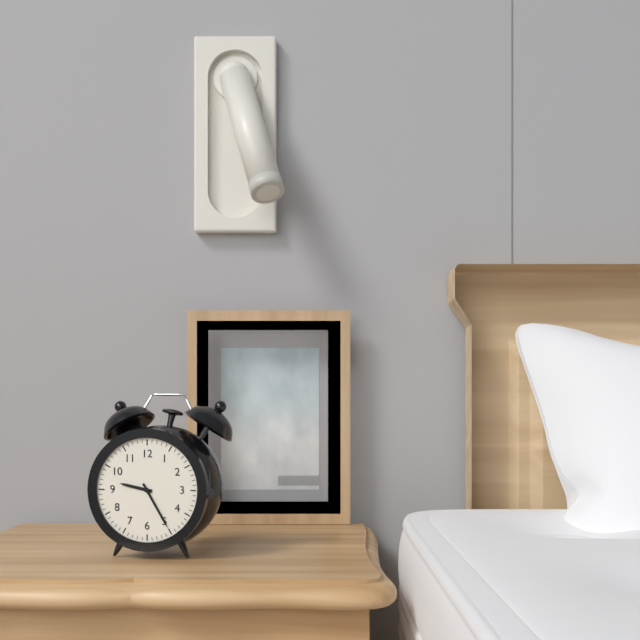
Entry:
9h25
